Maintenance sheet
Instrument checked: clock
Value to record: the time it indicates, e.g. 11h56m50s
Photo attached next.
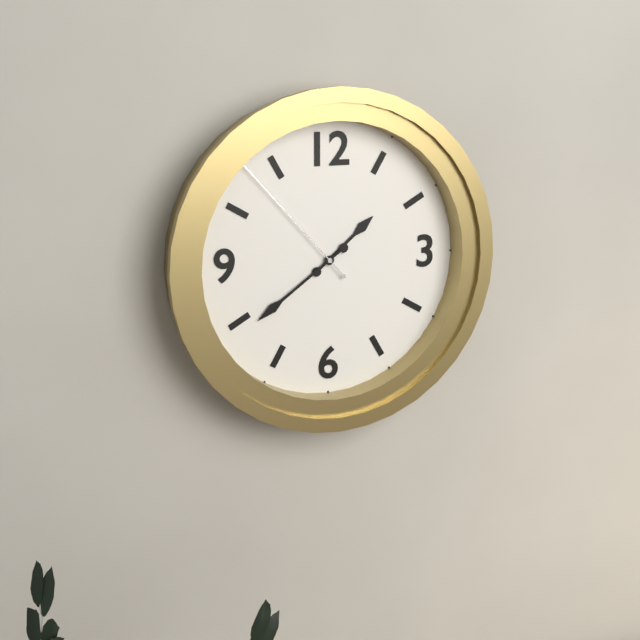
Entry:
1h39m53s
